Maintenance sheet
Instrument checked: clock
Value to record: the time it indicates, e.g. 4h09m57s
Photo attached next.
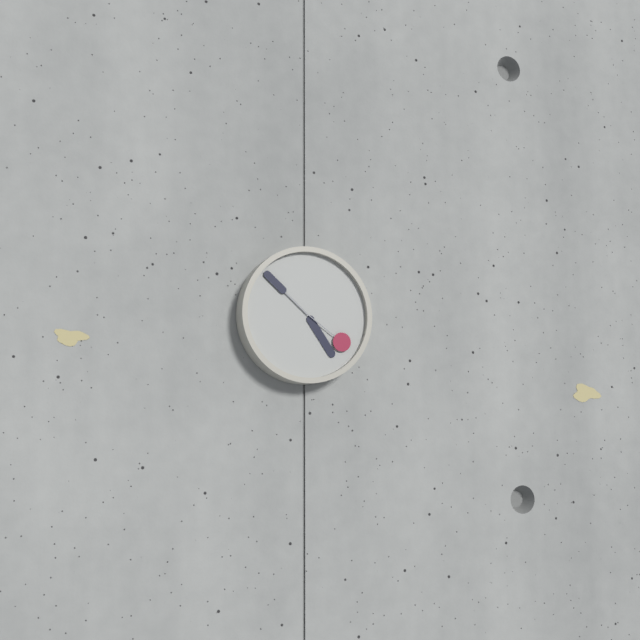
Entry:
4h52m21s
